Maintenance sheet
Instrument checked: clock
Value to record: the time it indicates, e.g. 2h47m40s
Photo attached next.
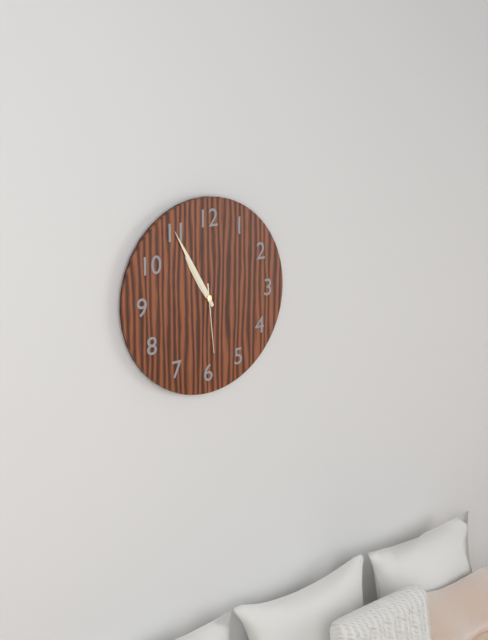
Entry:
10h55m29s
